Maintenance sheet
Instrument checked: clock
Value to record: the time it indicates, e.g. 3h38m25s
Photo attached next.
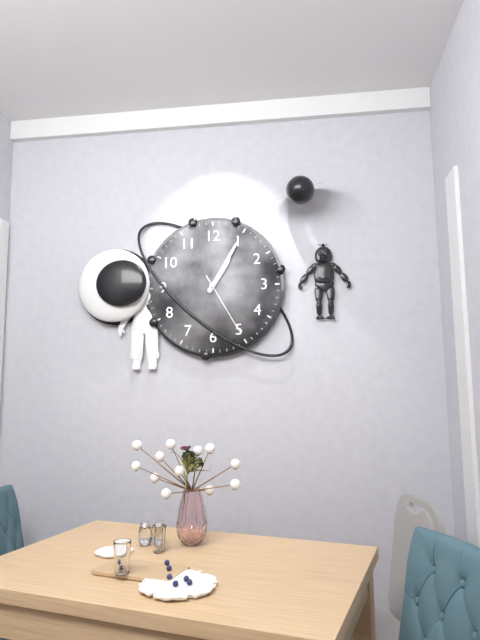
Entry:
1h05m25s
